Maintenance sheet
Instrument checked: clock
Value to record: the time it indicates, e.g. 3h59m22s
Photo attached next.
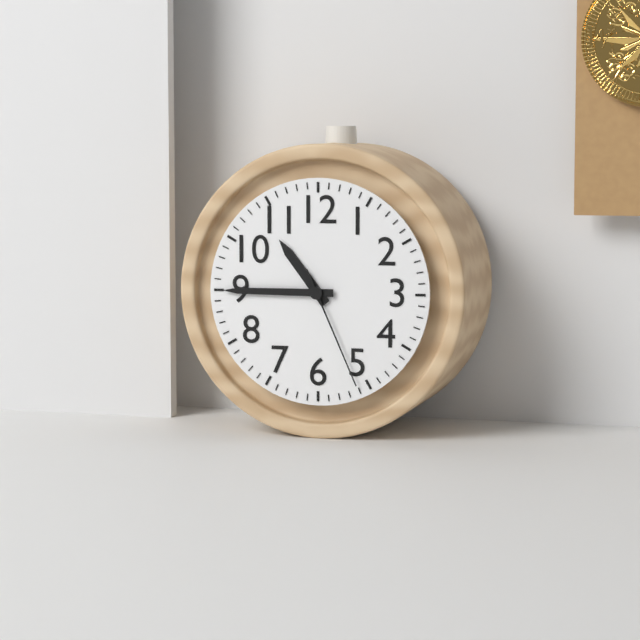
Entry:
10h45m26s
